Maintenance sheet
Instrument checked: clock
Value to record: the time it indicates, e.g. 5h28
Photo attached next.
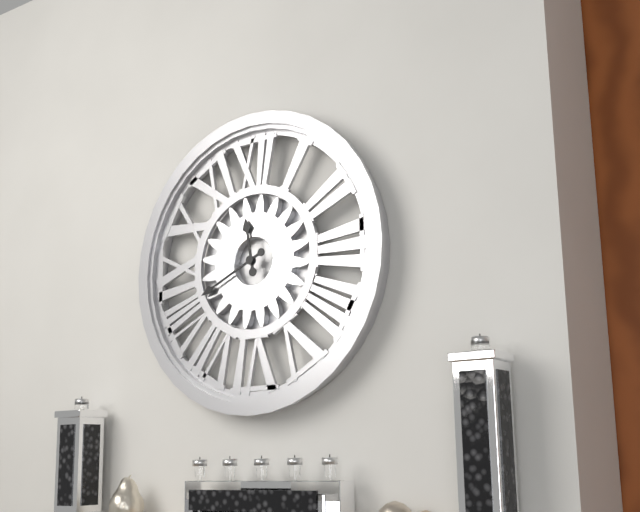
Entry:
11h41
